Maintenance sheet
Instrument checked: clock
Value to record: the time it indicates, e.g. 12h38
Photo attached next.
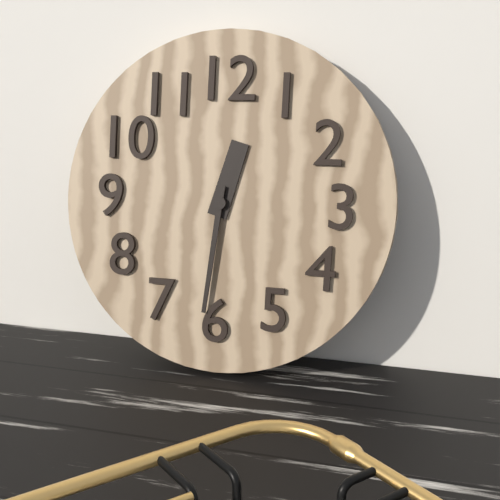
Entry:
12h31
